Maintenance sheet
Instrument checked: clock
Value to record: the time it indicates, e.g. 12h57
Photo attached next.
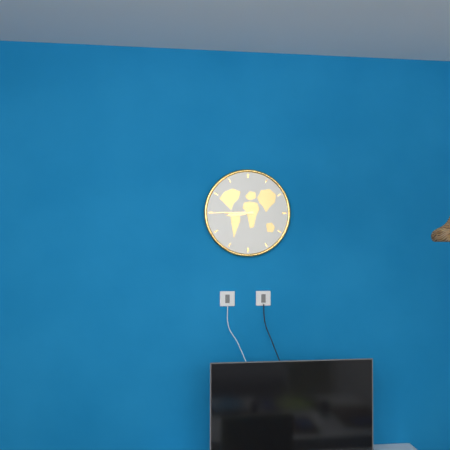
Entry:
8h45
